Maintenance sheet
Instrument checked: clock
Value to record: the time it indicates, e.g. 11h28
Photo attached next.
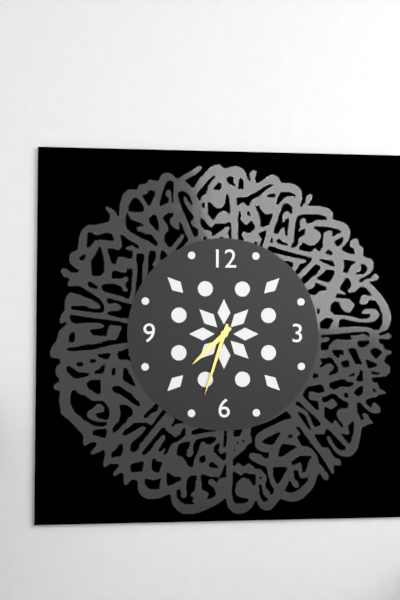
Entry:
7h33
